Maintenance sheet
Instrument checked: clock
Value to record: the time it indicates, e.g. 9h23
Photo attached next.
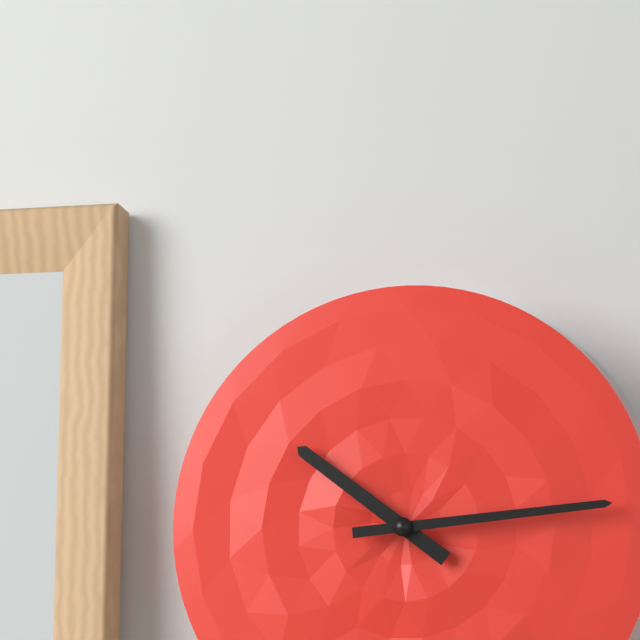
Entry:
10h14
